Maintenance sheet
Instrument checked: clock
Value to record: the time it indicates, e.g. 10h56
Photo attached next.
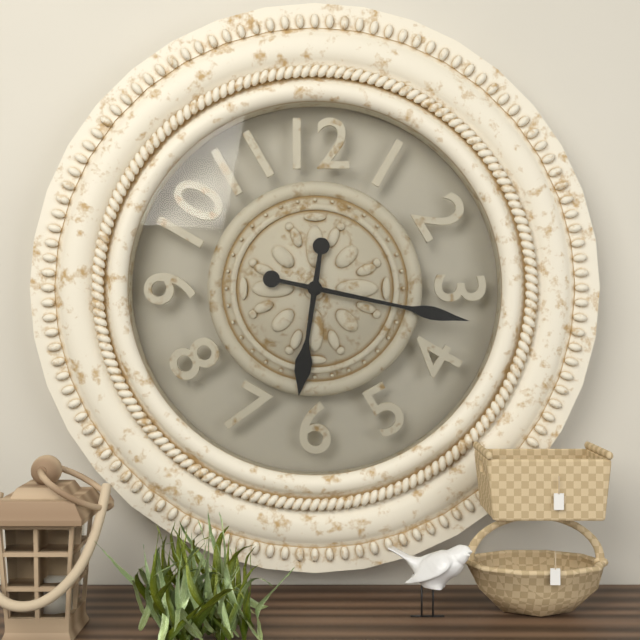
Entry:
6h17
